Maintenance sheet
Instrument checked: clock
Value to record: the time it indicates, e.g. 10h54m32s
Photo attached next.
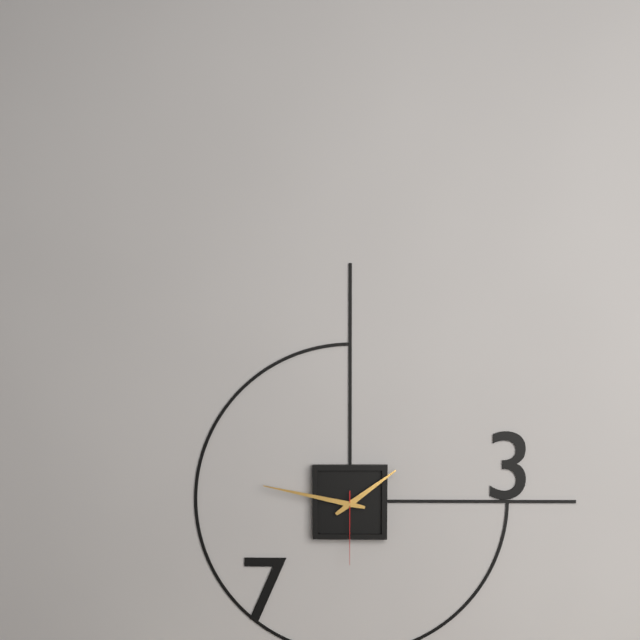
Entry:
1h47m30s
